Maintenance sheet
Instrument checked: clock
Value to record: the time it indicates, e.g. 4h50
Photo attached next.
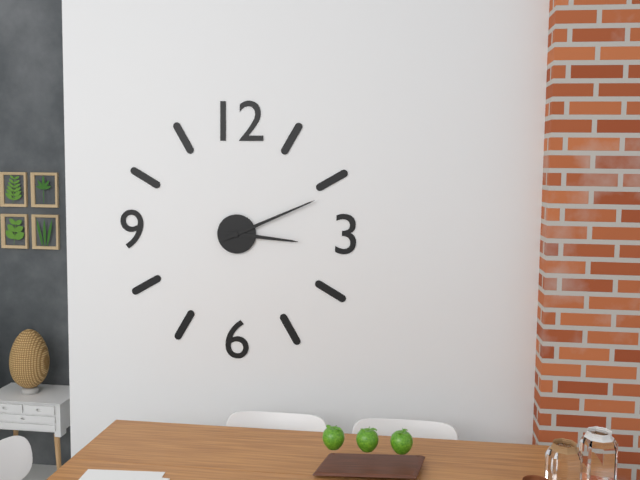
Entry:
3h11
